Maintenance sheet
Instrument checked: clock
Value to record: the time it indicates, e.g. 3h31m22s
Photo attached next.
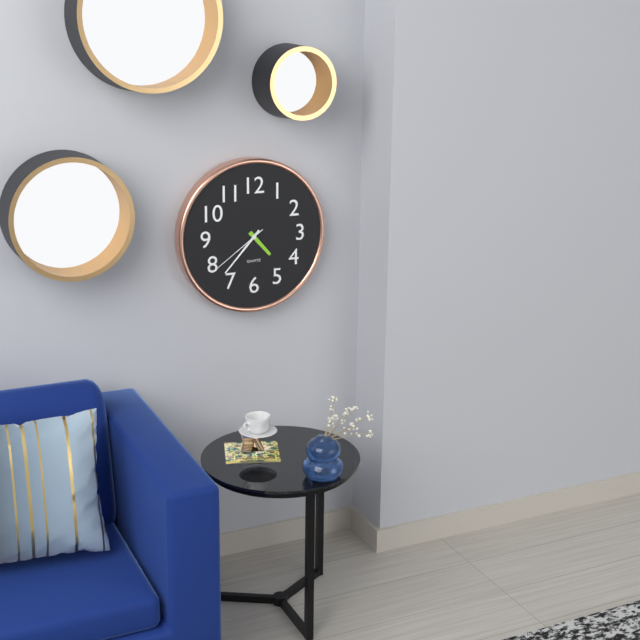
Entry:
4h37m39s
